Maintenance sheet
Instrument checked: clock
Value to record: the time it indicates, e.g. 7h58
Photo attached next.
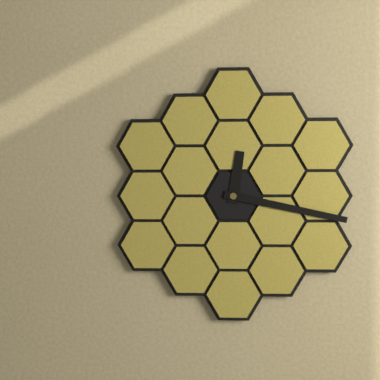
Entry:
12h17
